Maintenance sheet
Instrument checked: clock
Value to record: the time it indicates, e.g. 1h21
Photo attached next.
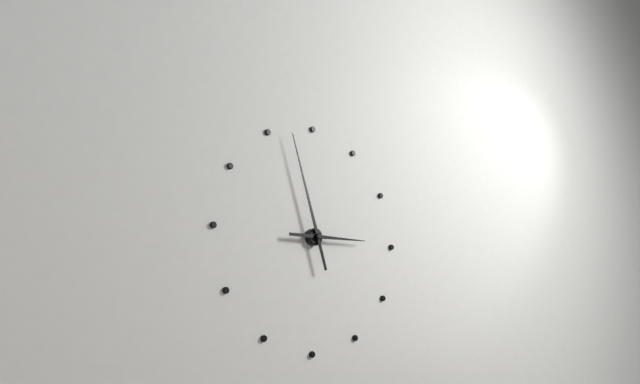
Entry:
2h57
